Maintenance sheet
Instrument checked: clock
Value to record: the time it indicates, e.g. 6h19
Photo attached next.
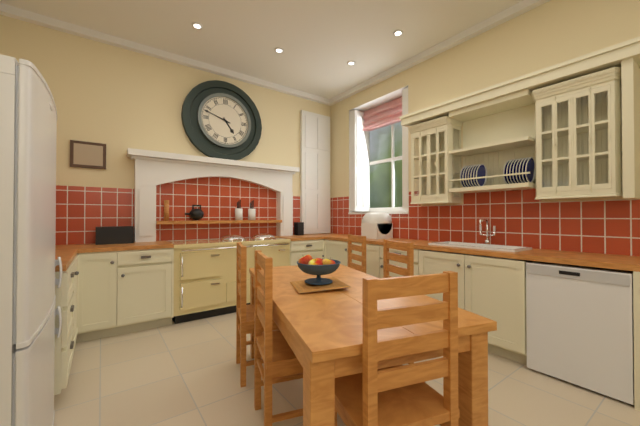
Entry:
4h48
